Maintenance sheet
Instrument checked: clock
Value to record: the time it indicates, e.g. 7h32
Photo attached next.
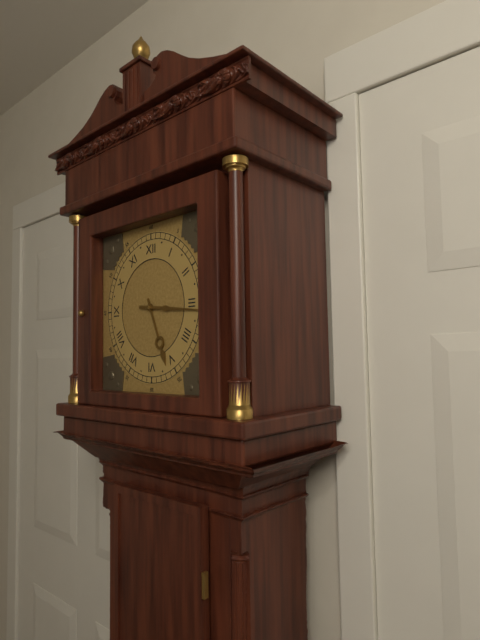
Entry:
5h16
